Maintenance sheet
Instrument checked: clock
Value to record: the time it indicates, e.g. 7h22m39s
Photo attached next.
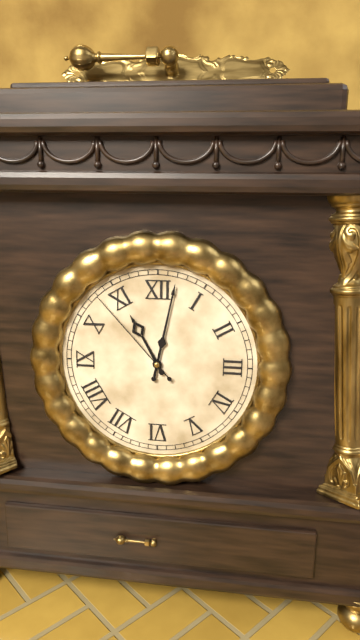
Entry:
11h02m53s
